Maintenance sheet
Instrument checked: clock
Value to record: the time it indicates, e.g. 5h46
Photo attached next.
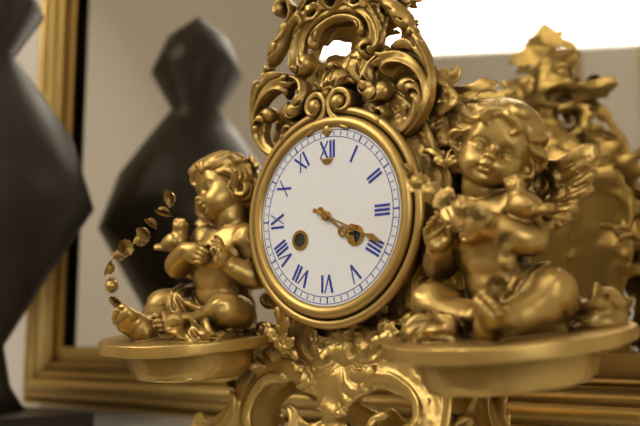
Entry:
4h19
